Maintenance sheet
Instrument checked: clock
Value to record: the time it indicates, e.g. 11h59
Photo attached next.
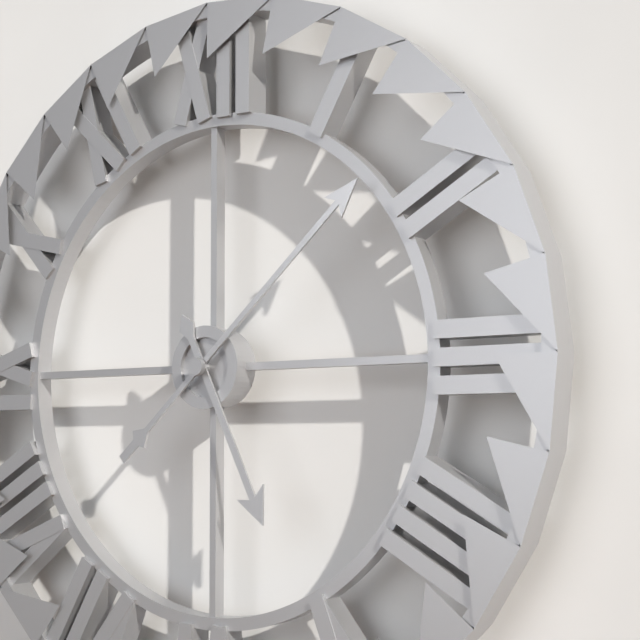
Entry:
5h08
